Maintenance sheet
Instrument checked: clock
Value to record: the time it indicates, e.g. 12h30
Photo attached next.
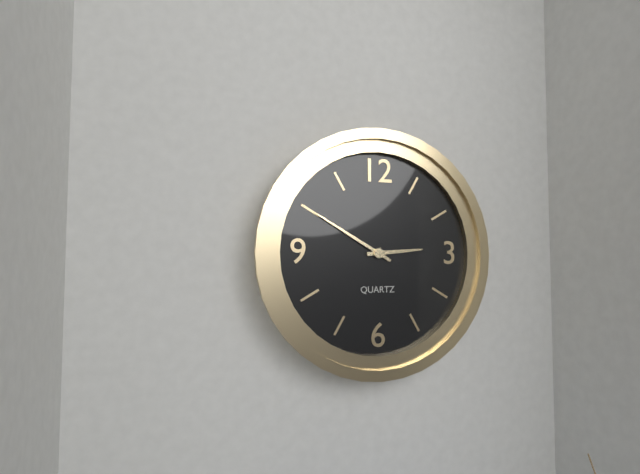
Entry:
2h50
